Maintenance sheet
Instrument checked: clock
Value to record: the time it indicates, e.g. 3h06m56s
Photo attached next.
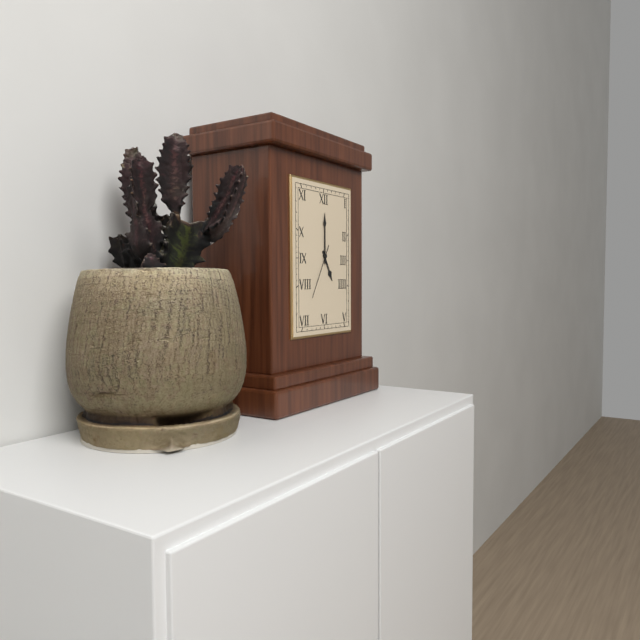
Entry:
5h00m35s
